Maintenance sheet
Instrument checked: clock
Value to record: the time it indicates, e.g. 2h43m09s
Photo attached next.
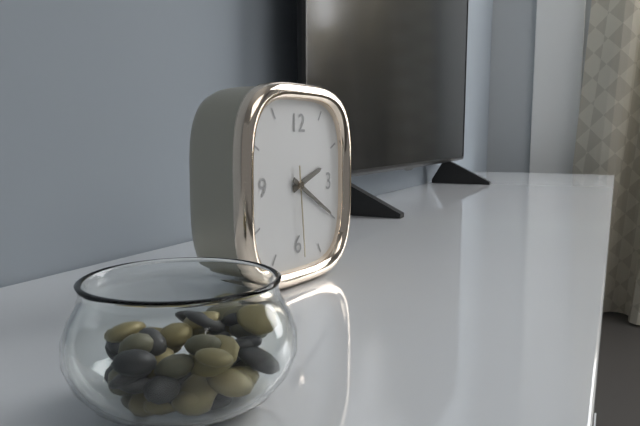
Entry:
2h20m29s
